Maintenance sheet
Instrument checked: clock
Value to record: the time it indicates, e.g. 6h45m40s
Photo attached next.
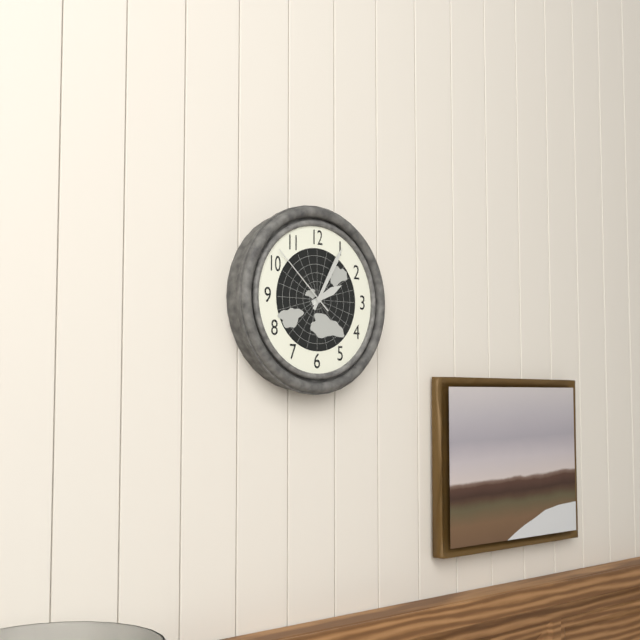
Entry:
2h05m52s
